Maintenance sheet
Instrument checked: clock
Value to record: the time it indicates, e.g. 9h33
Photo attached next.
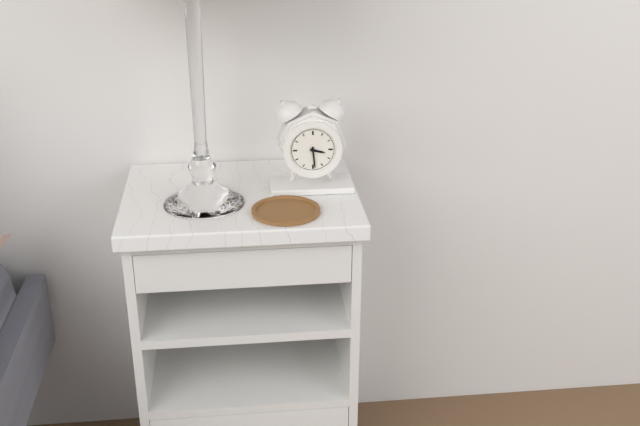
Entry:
3h29
